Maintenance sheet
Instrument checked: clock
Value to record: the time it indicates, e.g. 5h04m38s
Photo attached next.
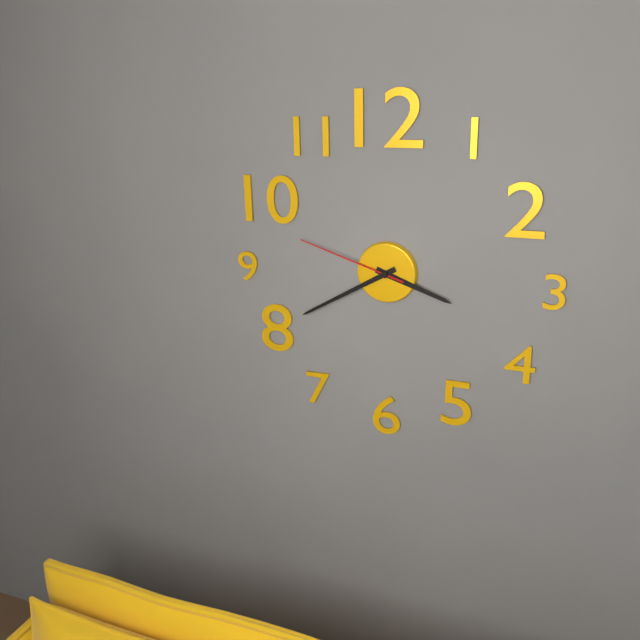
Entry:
3h40m48s
